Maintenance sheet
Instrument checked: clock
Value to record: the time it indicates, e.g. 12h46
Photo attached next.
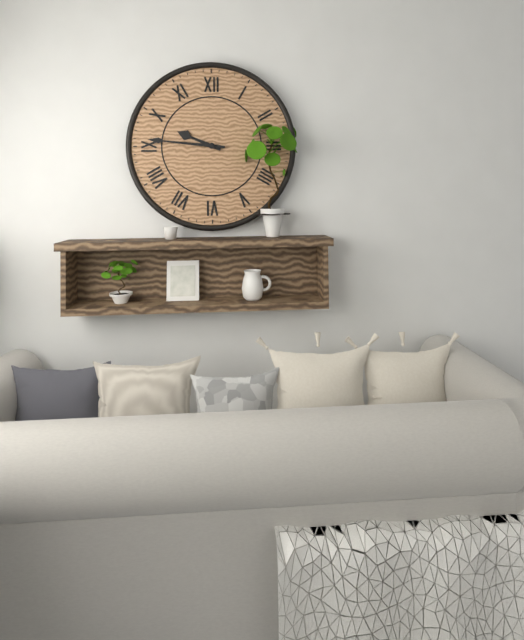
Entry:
9h46
